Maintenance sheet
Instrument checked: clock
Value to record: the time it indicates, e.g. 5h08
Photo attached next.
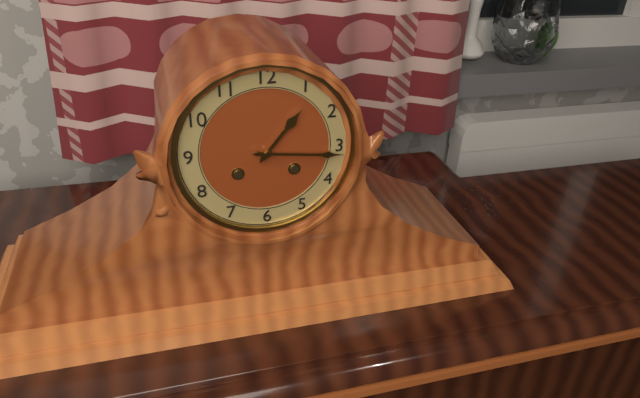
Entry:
1h16
